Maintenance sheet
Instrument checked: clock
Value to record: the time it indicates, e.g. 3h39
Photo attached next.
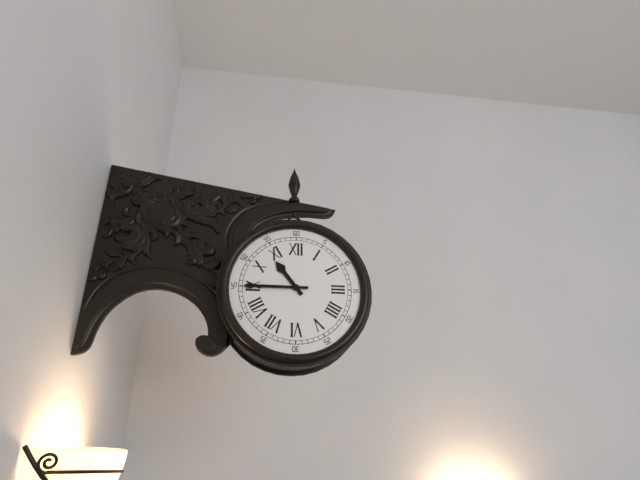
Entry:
10h45
